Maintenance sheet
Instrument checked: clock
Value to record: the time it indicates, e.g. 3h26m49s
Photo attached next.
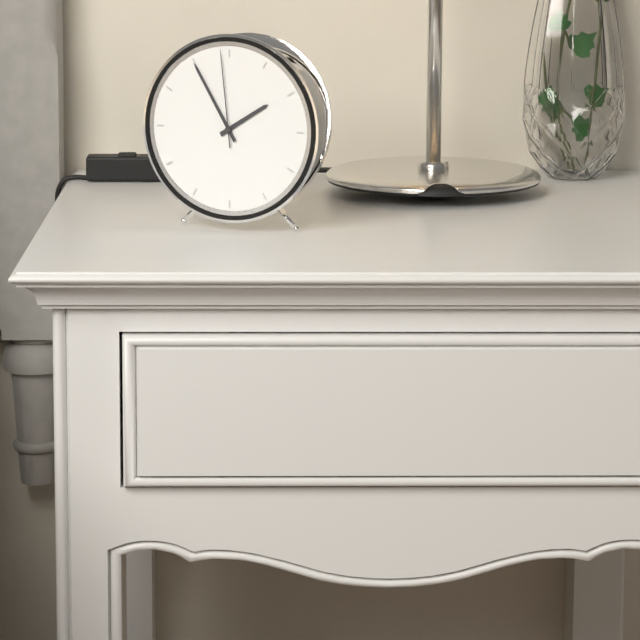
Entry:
1h55m59s
